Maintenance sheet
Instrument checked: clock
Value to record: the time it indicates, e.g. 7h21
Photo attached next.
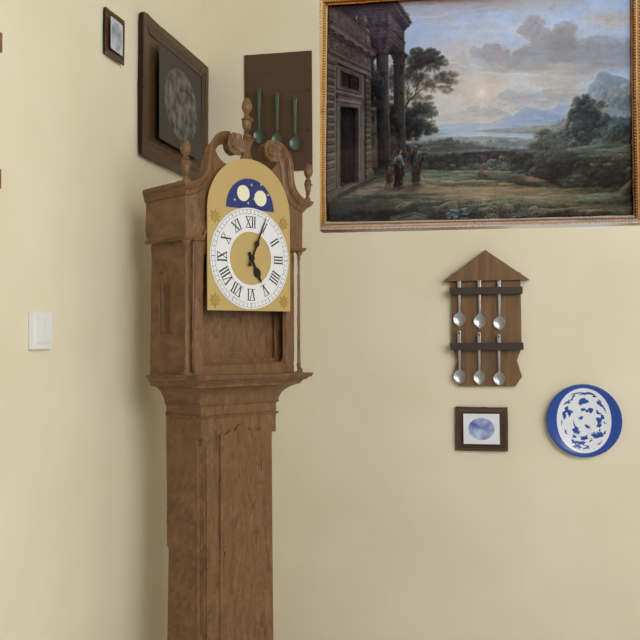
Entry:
5h04
